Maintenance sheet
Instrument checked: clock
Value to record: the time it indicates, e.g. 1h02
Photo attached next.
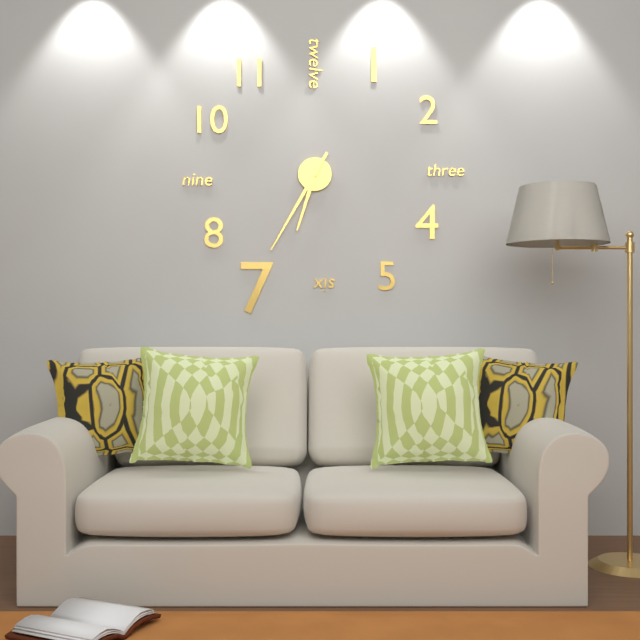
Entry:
6h35
